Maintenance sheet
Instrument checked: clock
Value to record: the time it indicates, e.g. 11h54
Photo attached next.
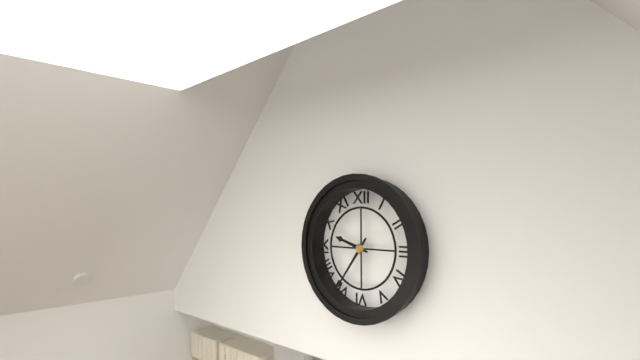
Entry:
9h36
